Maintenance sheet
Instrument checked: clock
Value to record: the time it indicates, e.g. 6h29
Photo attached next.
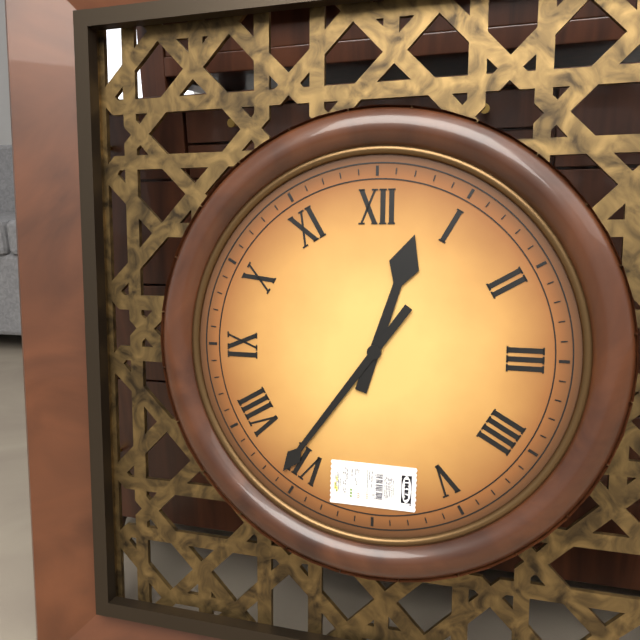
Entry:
12h36
